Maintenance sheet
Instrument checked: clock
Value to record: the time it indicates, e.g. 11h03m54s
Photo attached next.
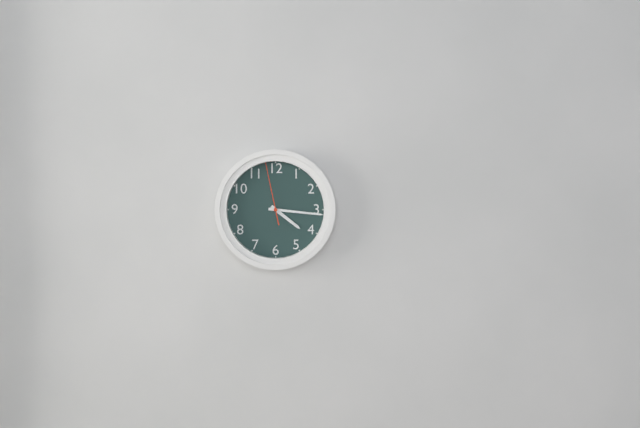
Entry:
4h16m58s
